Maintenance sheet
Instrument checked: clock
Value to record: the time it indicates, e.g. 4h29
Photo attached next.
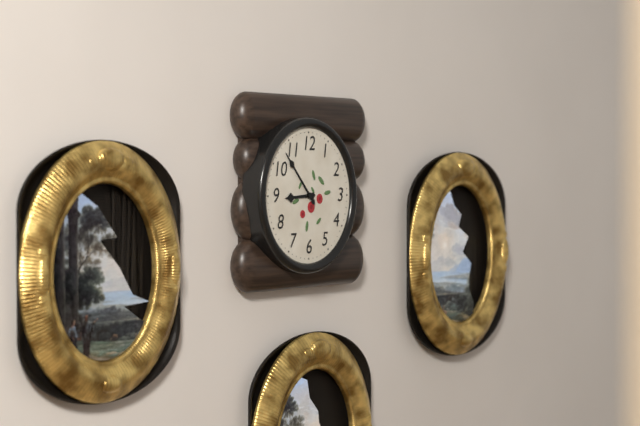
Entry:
8h53
